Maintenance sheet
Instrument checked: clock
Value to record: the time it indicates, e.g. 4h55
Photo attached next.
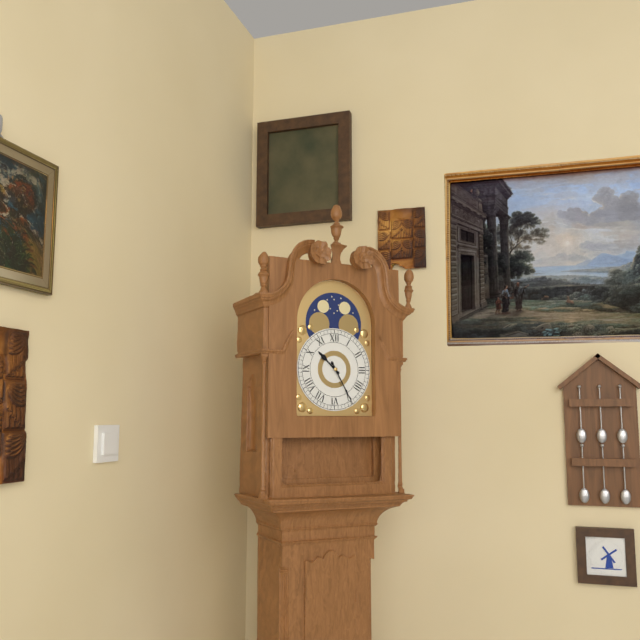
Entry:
10h25
